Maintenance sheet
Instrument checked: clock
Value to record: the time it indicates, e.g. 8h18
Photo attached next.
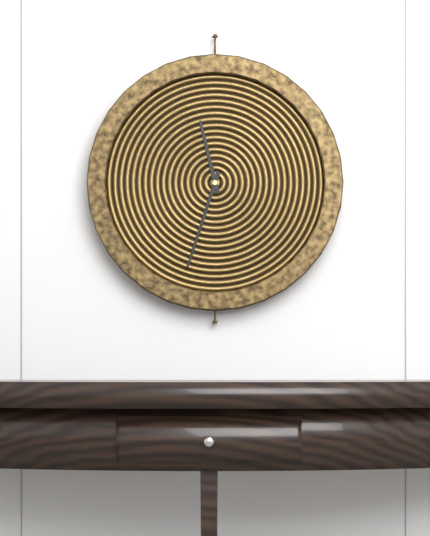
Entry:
11h33
